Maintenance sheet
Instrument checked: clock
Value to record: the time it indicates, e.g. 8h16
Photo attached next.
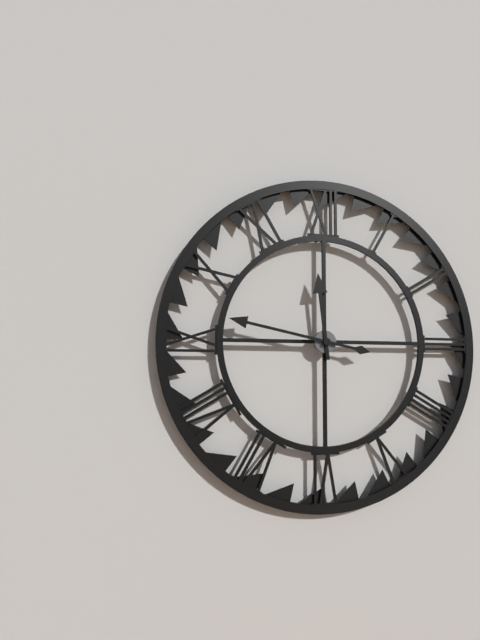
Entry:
11h47
